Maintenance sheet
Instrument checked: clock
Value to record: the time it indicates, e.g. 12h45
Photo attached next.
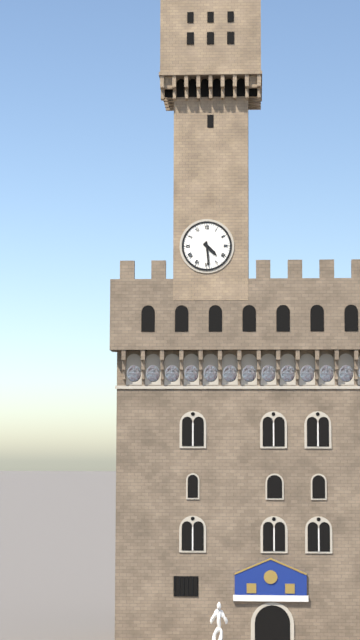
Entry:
4h29
